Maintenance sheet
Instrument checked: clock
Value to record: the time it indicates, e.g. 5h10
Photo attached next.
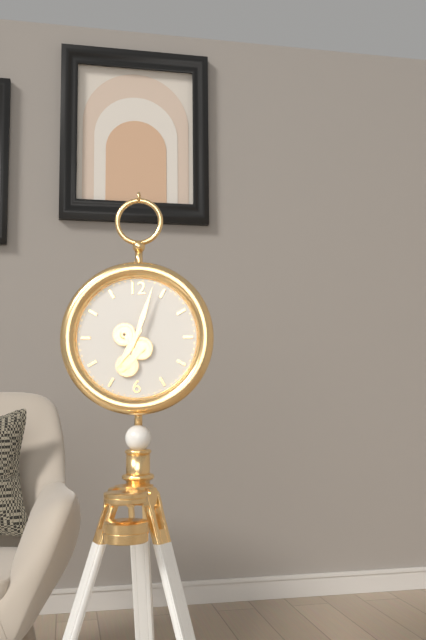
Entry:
7h03
